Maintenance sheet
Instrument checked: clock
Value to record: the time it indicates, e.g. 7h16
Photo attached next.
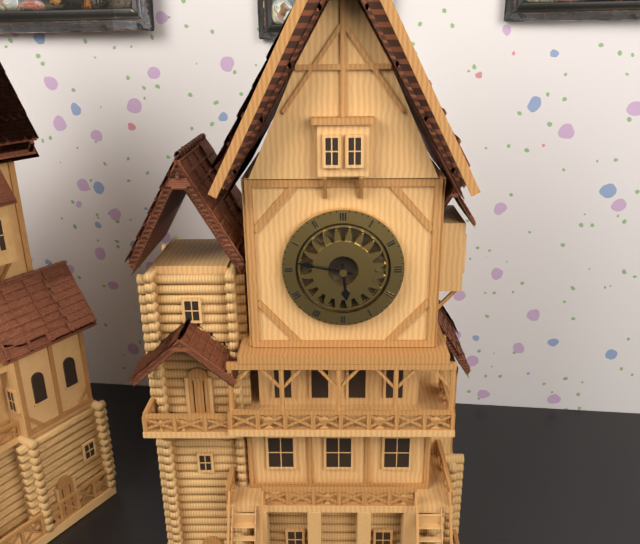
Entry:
5h47
